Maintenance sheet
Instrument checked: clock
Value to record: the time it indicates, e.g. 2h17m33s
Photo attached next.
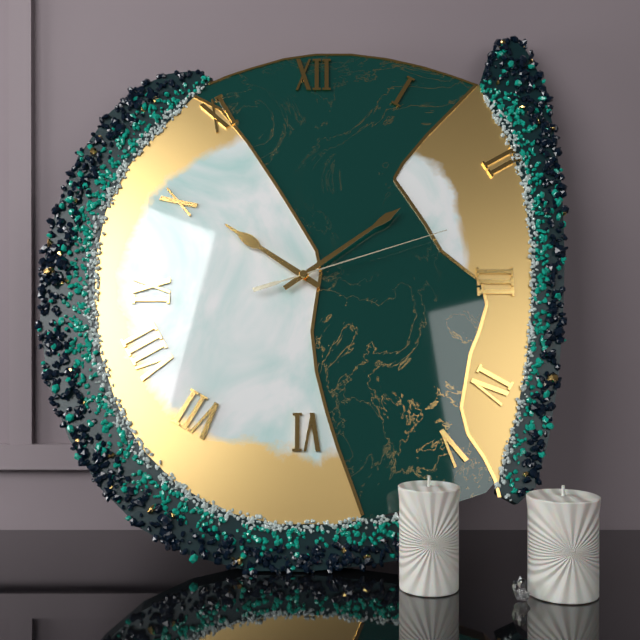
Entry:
10h09m12s
